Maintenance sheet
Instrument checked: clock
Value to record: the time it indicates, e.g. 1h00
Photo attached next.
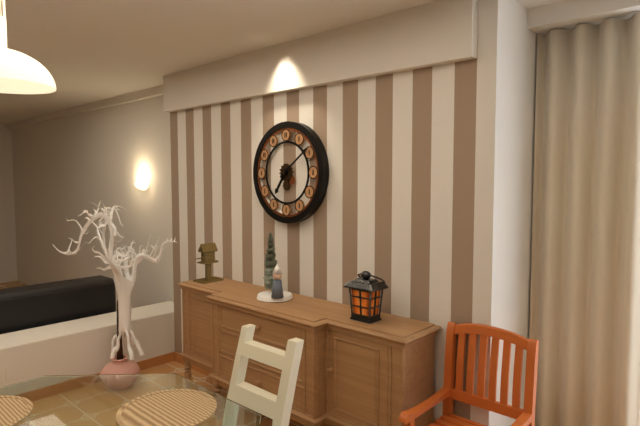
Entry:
7h09
